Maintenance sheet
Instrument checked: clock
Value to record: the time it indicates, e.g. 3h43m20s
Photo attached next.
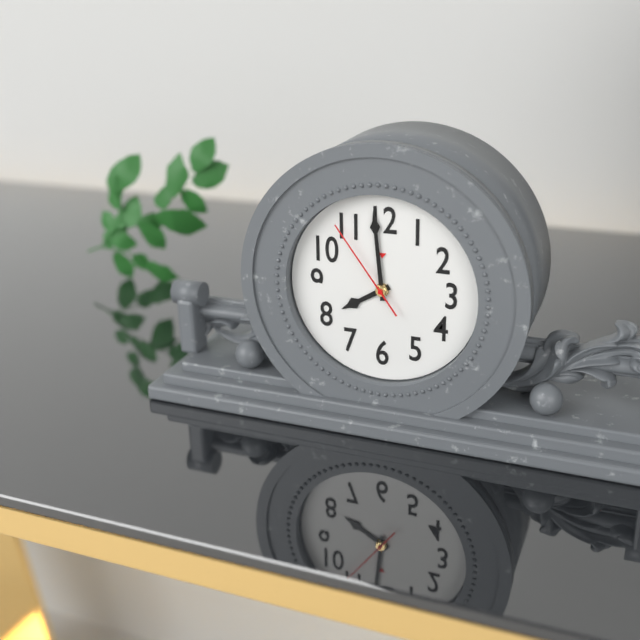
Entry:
7h59m54s
